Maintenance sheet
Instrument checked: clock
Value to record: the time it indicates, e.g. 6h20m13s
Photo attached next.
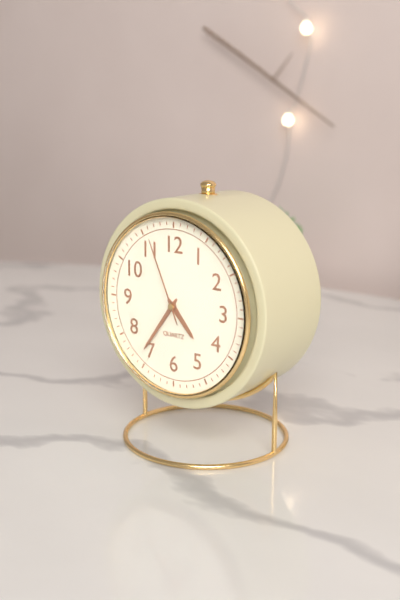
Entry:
4h36m56s
